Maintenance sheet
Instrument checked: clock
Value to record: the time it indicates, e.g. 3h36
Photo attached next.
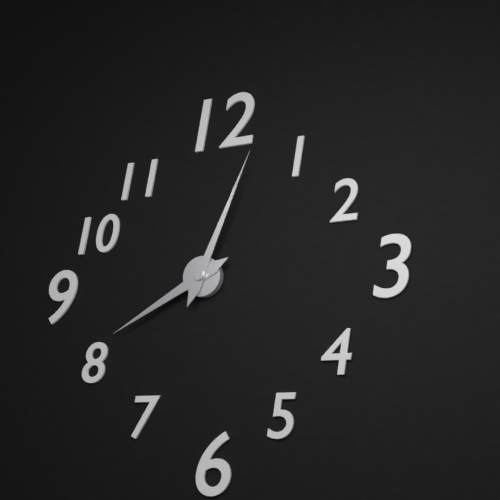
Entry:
8h04
